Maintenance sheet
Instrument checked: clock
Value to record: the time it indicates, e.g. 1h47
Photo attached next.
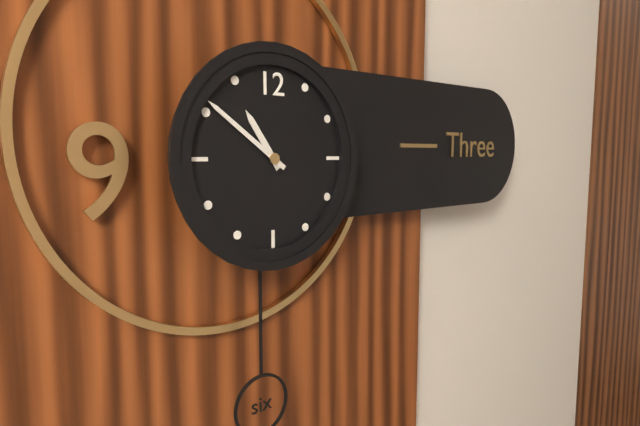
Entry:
10h51
